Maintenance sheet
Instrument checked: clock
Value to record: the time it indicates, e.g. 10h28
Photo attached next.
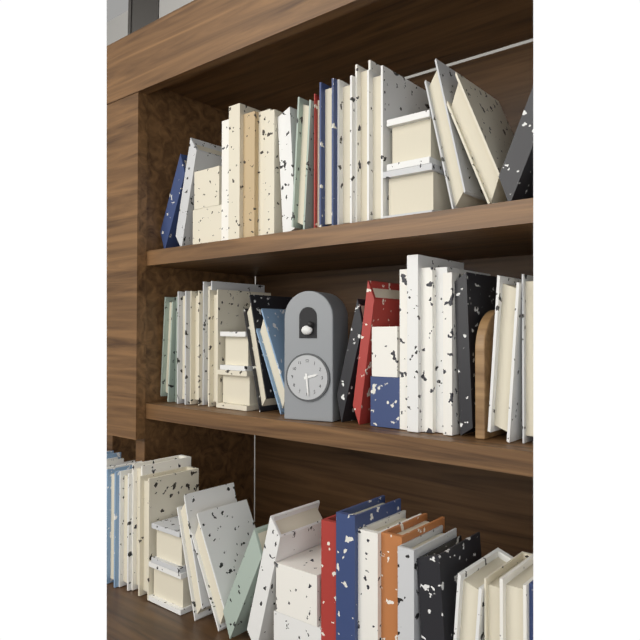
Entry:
2h29
